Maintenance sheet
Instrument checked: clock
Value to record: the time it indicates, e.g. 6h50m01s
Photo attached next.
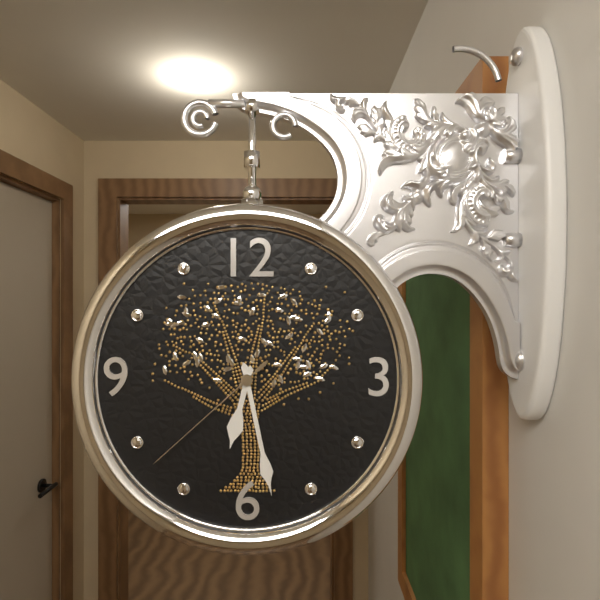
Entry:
6h28m38s
